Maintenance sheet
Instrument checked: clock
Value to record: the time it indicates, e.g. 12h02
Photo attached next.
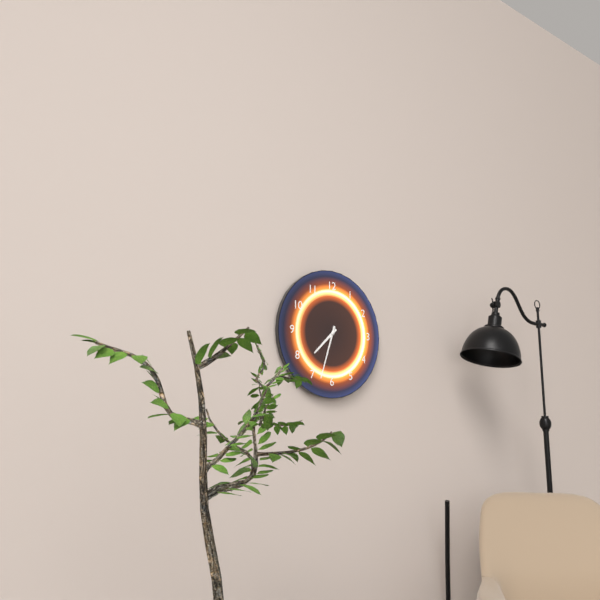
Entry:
7h33
